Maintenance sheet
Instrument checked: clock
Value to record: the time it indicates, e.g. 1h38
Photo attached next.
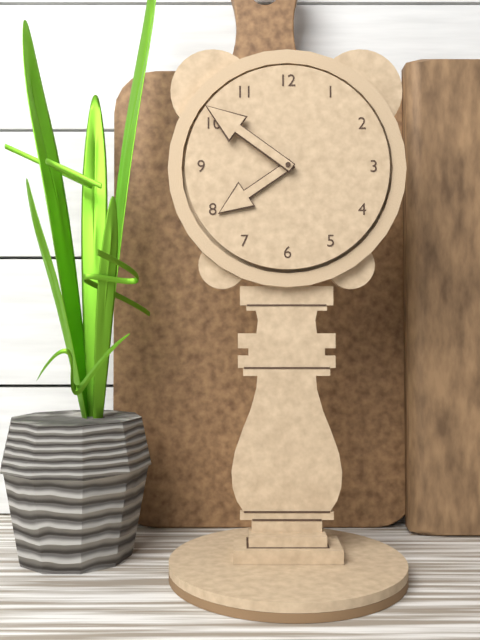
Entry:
7h51
